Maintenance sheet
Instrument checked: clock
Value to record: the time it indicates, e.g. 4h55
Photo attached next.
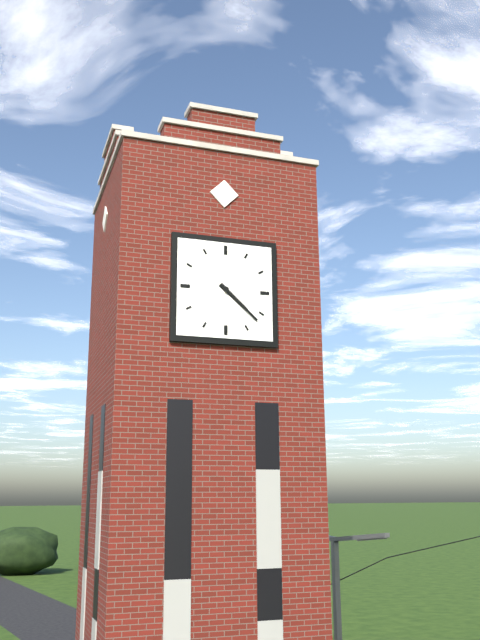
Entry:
4h22
